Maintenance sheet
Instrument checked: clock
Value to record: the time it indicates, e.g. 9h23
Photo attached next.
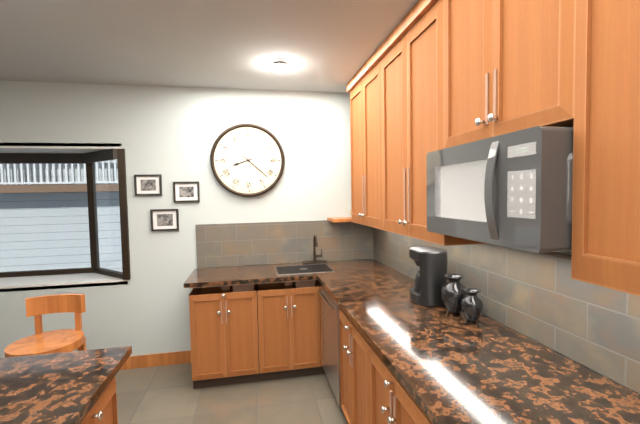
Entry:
8h22
